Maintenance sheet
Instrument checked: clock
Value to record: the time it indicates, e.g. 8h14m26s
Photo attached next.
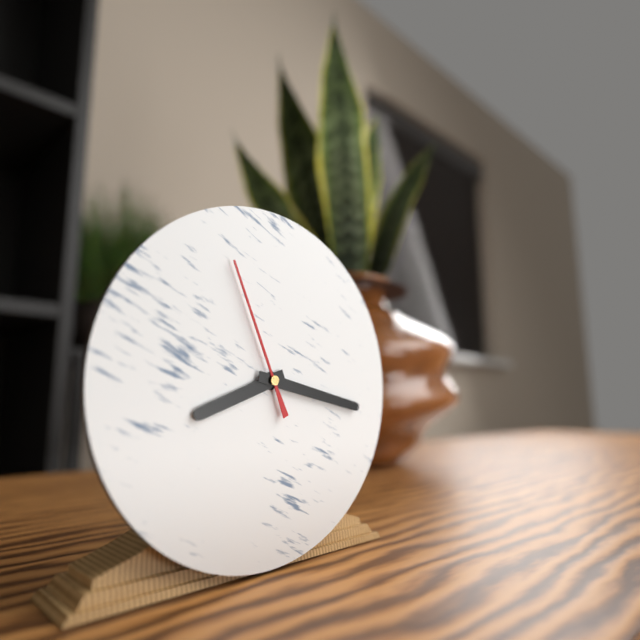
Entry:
8h17m56s
